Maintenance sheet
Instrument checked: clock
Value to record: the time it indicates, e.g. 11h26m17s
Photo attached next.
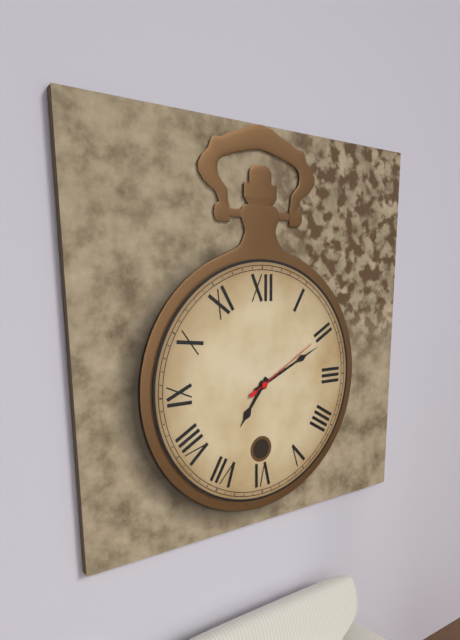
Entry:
7h11m10s
